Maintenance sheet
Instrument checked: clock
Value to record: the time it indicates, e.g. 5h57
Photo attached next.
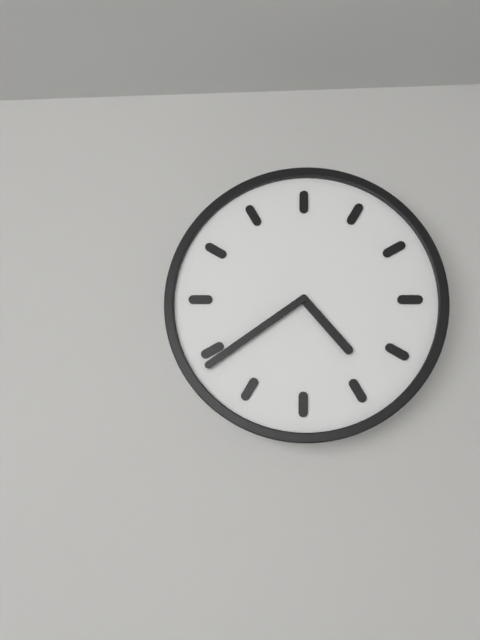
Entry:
4h39
